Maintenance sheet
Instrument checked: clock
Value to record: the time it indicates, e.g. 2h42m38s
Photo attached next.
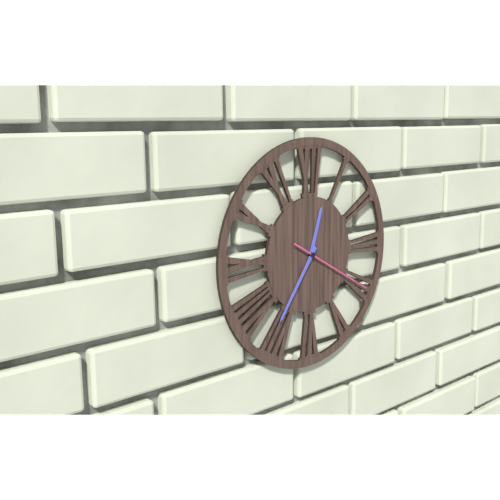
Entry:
12h36m20s
